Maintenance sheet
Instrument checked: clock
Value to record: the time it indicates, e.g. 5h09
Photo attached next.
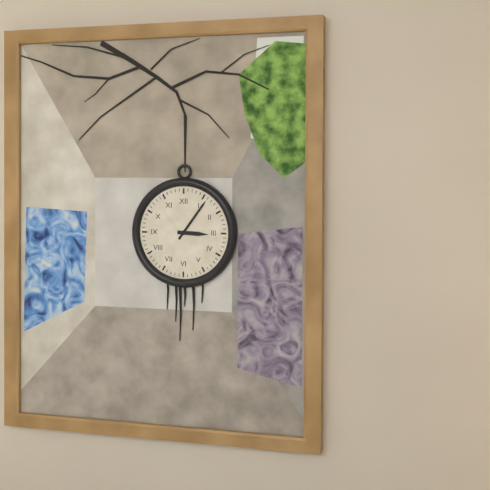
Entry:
3h06
